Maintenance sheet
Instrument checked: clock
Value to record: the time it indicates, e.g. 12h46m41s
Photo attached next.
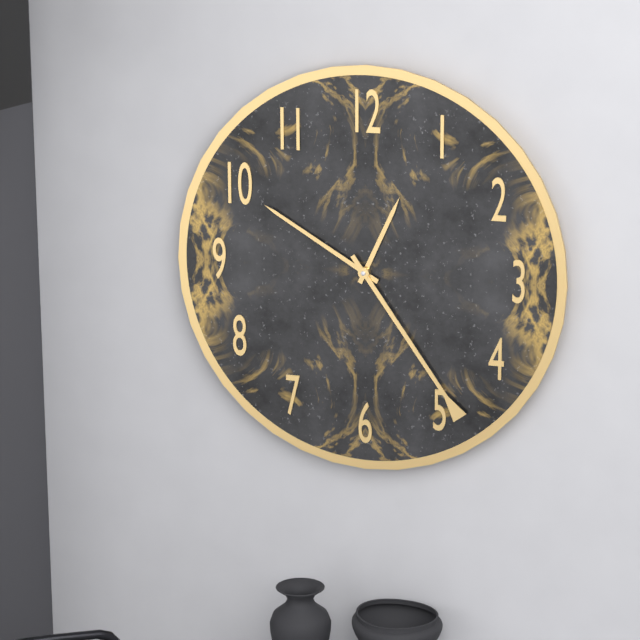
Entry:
12h50m24s
